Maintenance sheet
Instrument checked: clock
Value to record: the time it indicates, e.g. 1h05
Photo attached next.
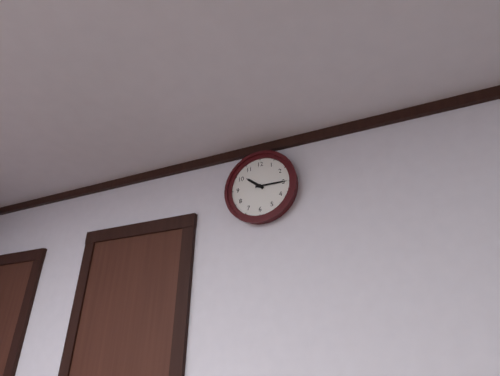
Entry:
10h15
